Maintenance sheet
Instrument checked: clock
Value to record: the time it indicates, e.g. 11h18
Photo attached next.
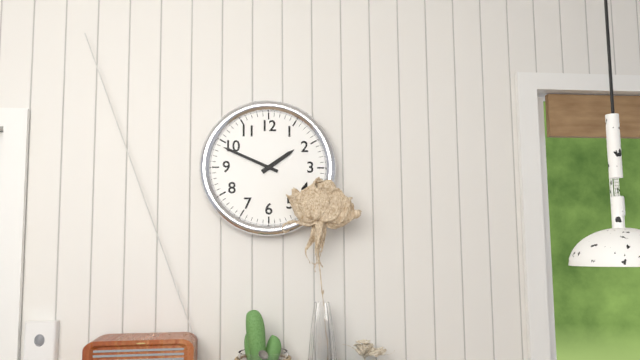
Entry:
1h49
